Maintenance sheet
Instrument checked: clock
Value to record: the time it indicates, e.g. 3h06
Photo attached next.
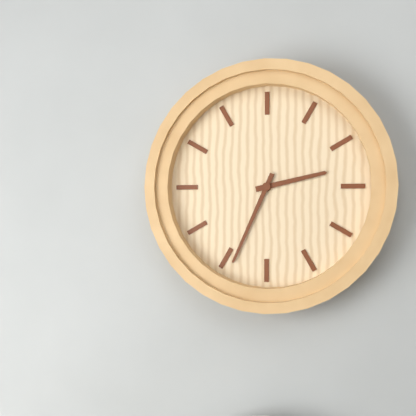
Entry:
2h34
